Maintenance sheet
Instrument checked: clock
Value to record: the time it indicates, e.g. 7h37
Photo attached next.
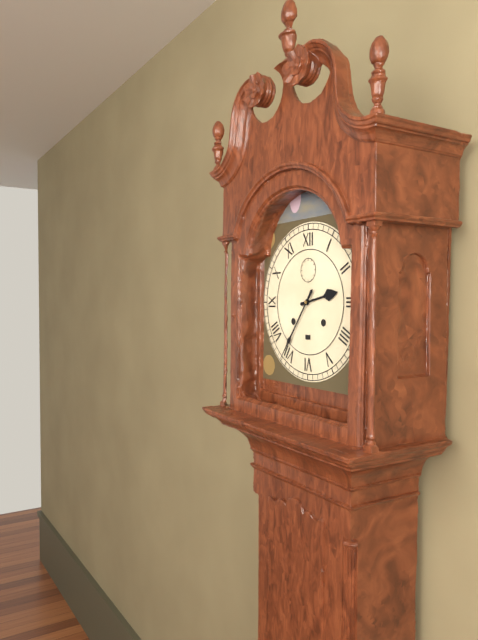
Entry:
2h36
